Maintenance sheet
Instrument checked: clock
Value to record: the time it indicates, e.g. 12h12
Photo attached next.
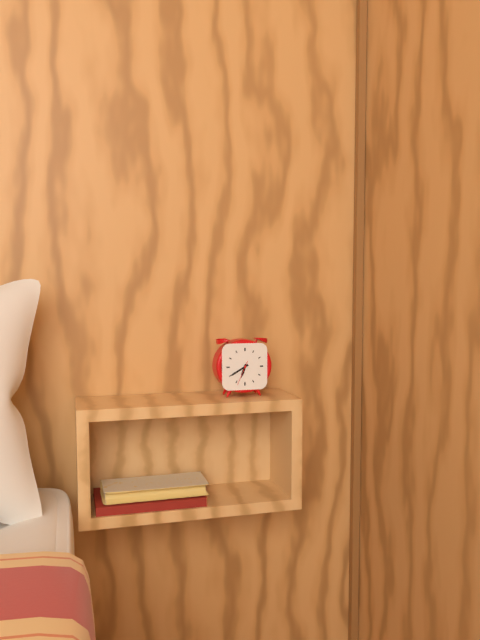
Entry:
6h40
